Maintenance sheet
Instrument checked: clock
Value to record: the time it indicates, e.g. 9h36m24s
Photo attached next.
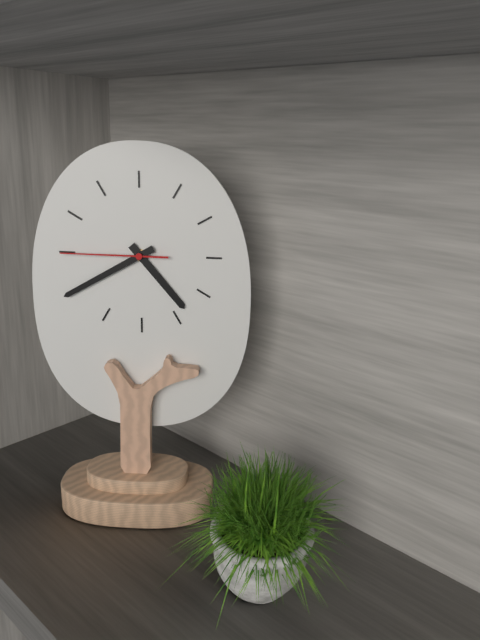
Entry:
4h40m45s
